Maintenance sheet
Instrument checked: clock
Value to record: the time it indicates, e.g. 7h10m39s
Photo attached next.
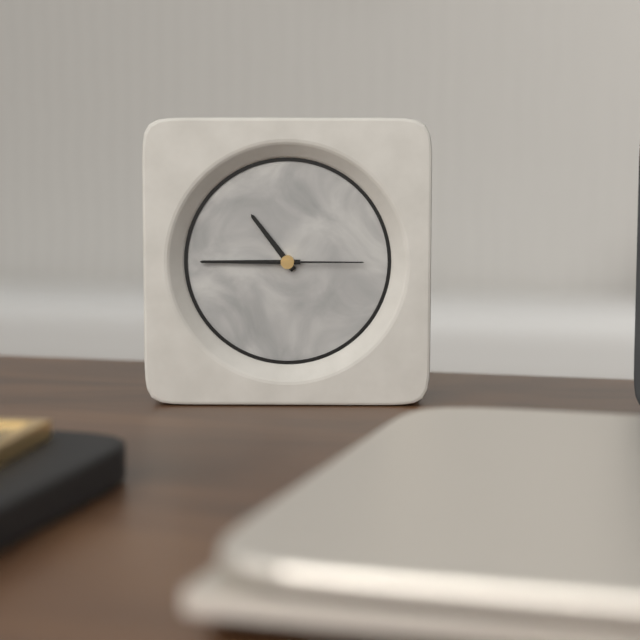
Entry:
10h45m15s
